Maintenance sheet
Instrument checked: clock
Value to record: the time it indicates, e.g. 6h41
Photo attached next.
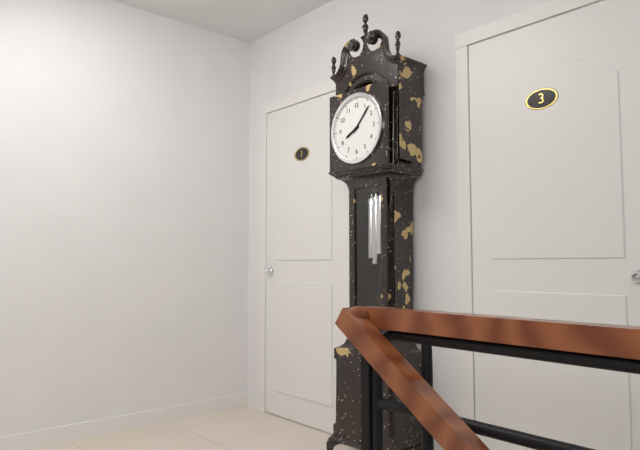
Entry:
8h07
